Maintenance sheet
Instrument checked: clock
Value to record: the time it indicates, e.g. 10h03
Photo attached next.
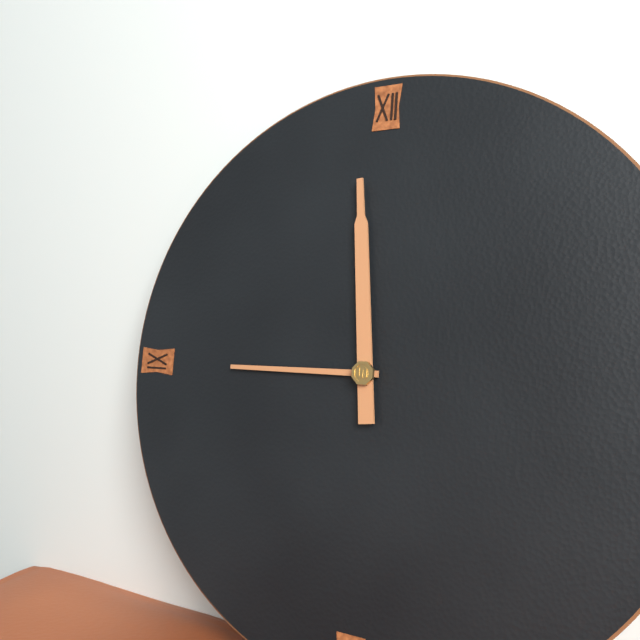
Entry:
8h59
